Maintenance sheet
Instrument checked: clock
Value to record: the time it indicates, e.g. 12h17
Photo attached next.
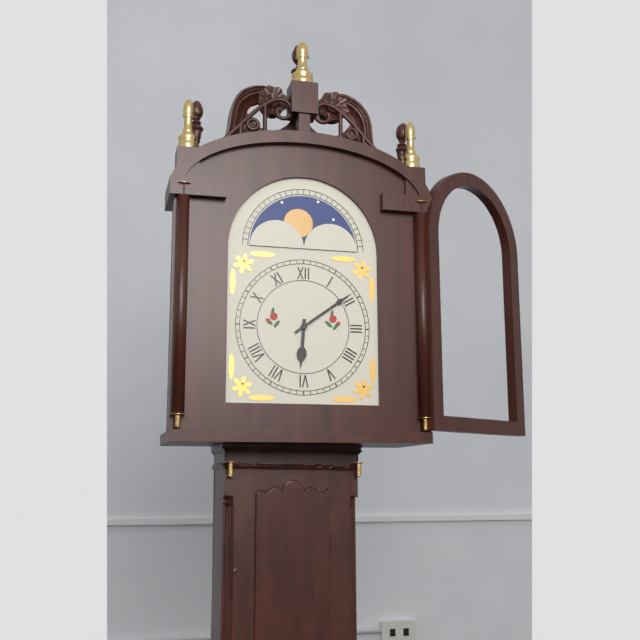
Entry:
6h09
